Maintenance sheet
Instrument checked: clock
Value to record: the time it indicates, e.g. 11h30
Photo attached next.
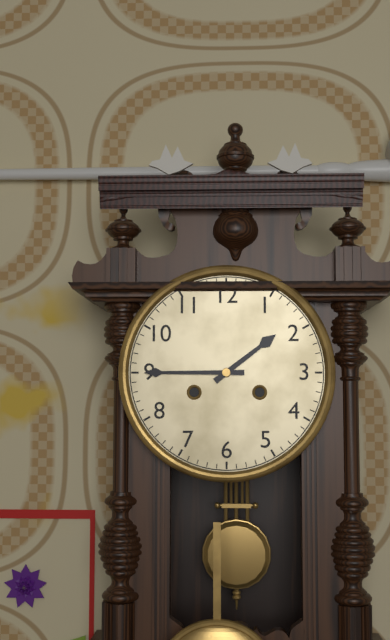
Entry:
1h45
